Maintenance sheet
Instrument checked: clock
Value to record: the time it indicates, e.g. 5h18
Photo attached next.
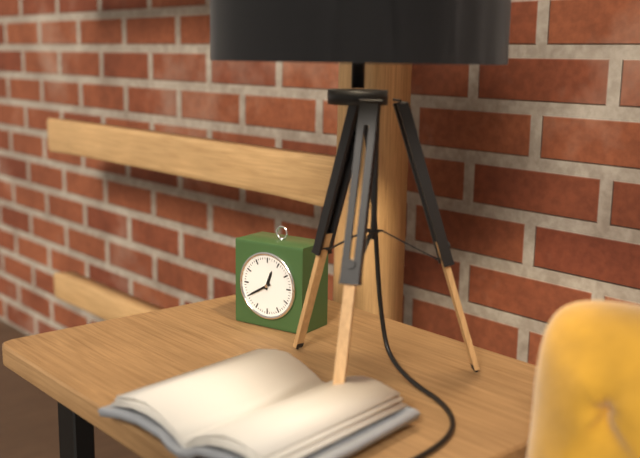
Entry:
12h40
